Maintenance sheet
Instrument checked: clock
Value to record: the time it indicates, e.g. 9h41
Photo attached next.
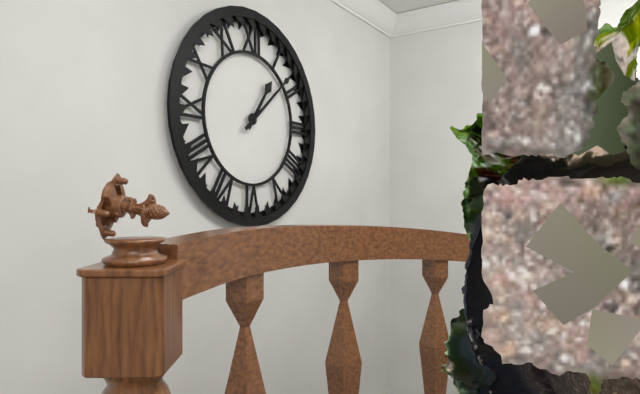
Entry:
1h08
